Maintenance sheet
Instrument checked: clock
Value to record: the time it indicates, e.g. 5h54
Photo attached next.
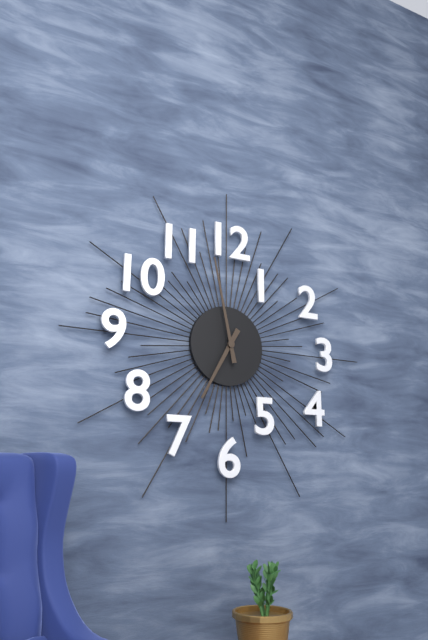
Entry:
6h58
